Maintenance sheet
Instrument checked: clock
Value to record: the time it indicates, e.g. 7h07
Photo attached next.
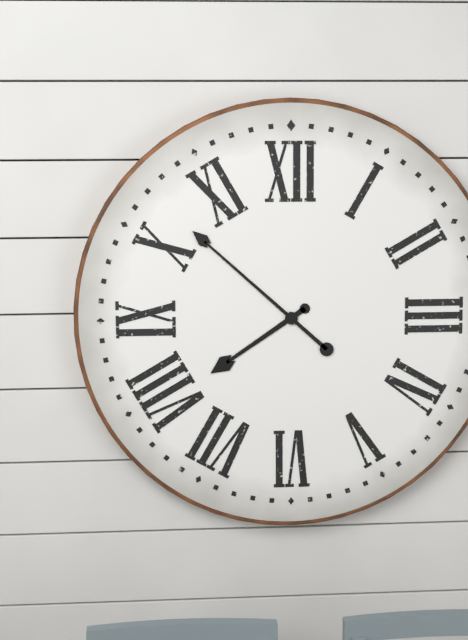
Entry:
7h52
